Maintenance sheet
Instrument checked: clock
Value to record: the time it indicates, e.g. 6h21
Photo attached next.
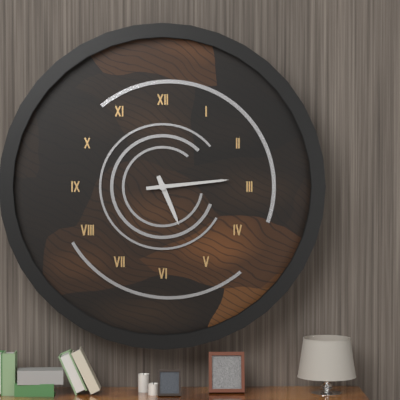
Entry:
5h14
